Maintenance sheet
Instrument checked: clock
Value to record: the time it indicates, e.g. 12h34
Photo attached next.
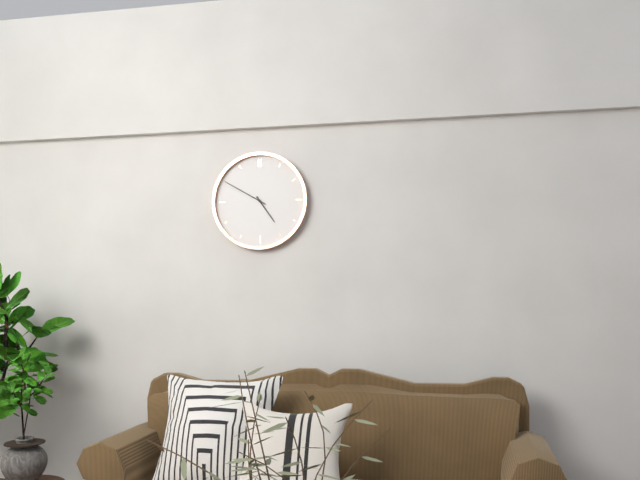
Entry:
4h50
